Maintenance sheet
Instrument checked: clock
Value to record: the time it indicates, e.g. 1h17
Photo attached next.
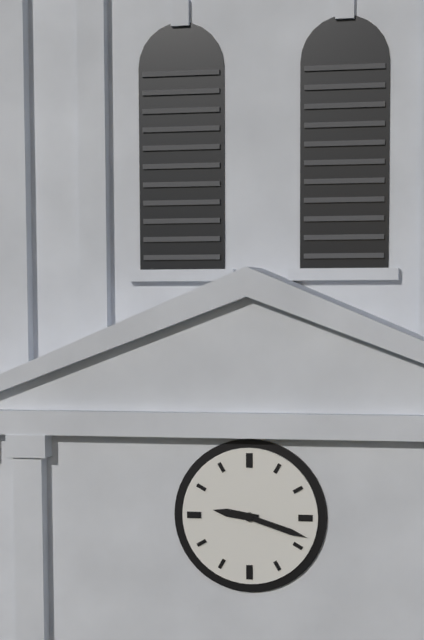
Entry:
9h18
